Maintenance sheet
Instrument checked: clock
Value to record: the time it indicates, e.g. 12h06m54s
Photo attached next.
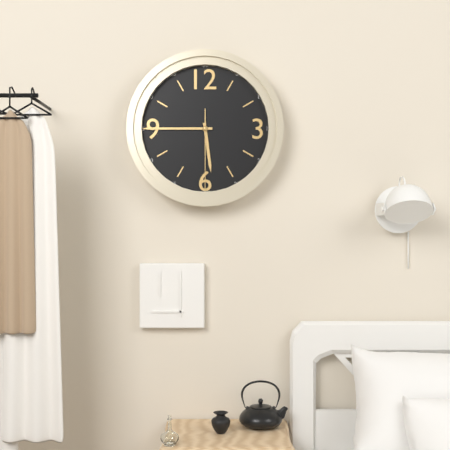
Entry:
5h45m30s
